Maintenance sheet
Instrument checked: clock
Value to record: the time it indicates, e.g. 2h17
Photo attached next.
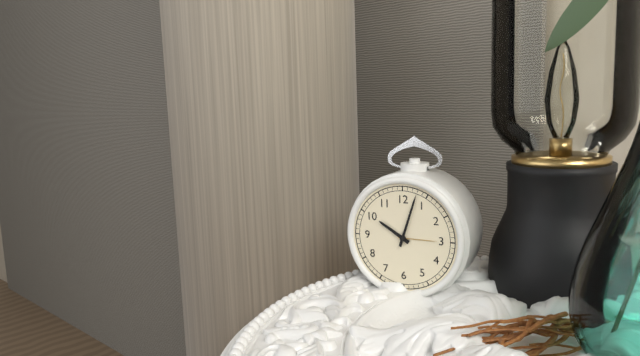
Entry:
10h03
